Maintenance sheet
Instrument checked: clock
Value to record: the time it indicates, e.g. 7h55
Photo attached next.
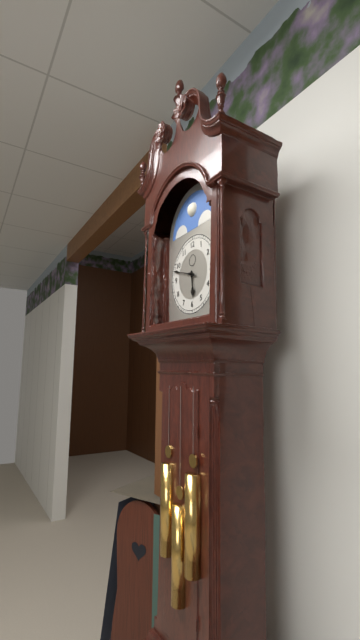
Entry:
5h48
